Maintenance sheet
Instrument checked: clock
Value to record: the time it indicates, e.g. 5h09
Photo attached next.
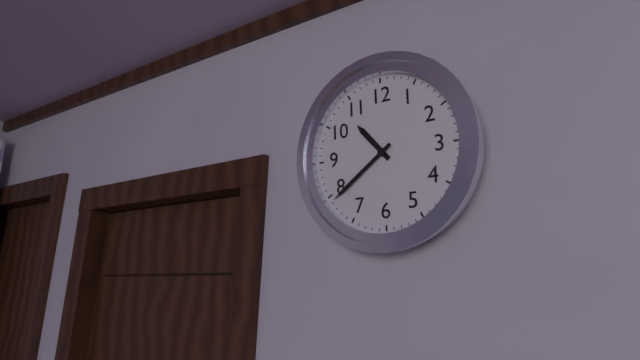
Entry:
10h39
